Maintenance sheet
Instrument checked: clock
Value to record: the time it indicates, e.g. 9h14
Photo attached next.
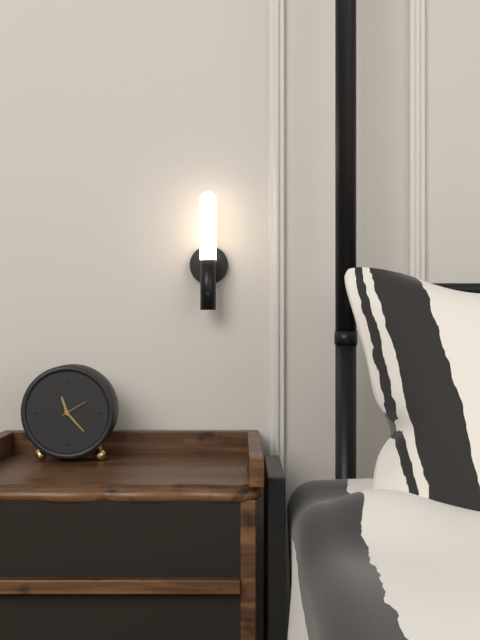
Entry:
11h23
